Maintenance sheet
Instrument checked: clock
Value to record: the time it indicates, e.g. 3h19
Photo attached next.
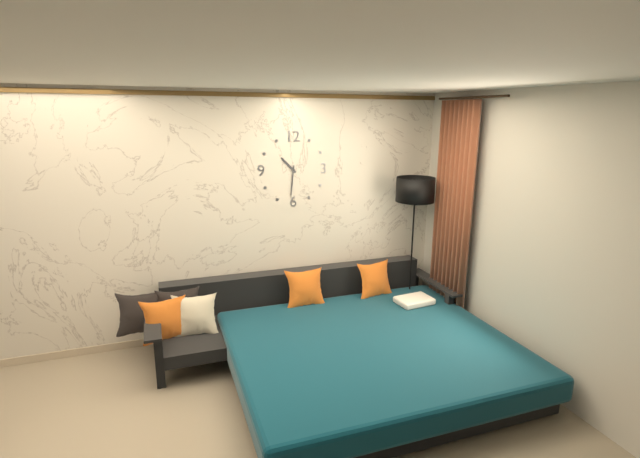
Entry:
10h31
